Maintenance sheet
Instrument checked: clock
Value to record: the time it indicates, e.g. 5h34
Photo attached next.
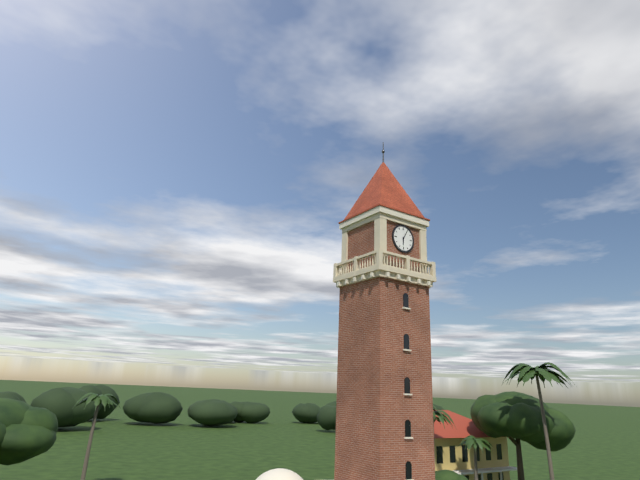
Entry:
6h05
